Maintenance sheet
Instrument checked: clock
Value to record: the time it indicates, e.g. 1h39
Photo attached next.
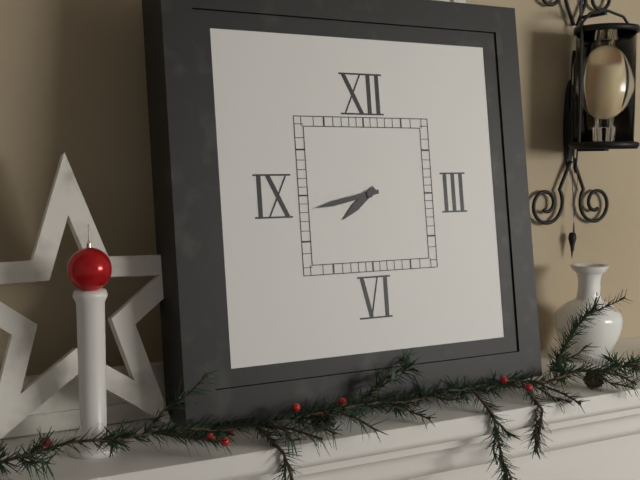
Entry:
7h43
